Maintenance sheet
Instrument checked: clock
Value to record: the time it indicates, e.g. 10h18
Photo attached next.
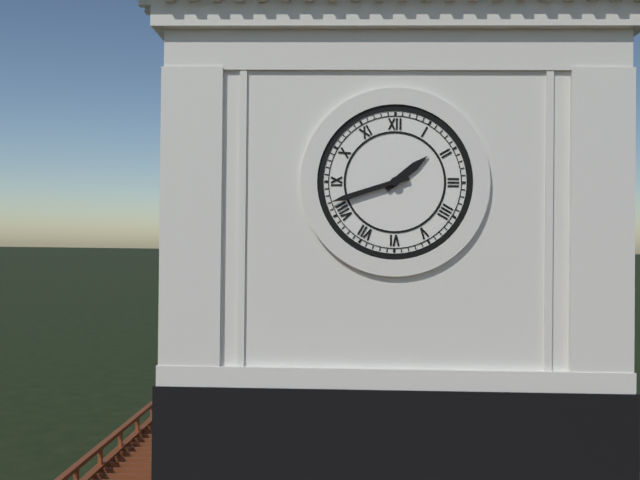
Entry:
1h42
